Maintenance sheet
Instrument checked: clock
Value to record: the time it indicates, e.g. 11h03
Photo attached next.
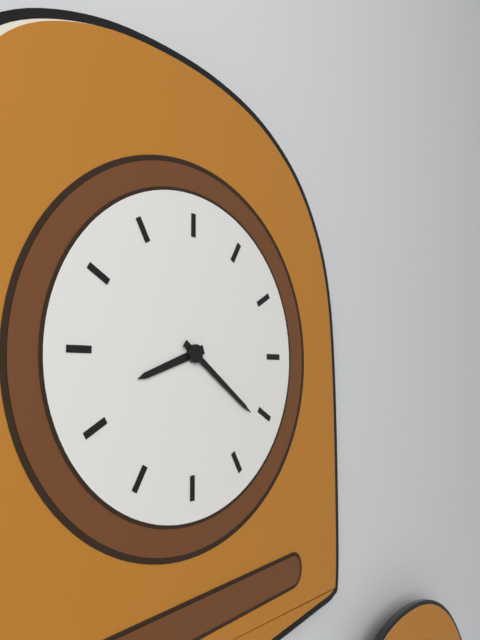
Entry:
8h21
